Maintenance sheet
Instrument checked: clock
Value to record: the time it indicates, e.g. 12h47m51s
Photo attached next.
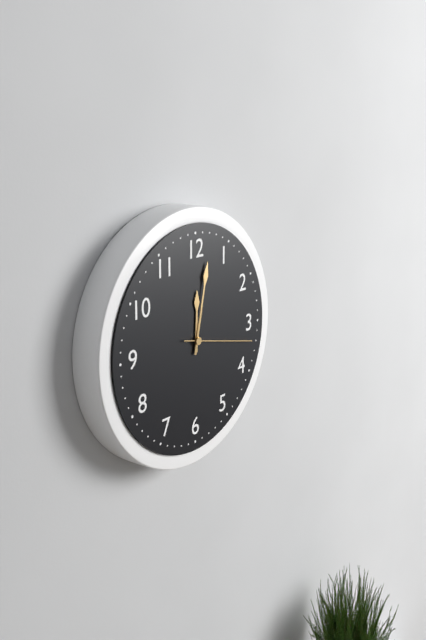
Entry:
12h02m17s
